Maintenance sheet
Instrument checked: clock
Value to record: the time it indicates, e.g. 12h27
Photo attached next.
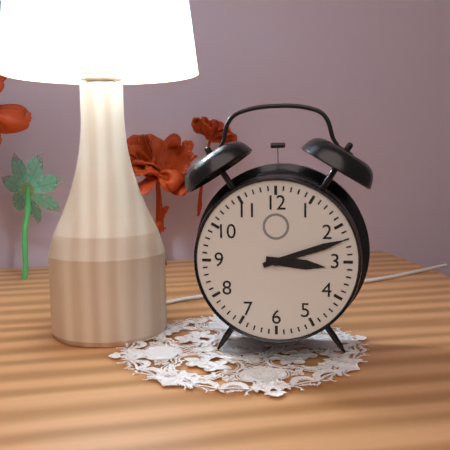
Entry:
3h12
